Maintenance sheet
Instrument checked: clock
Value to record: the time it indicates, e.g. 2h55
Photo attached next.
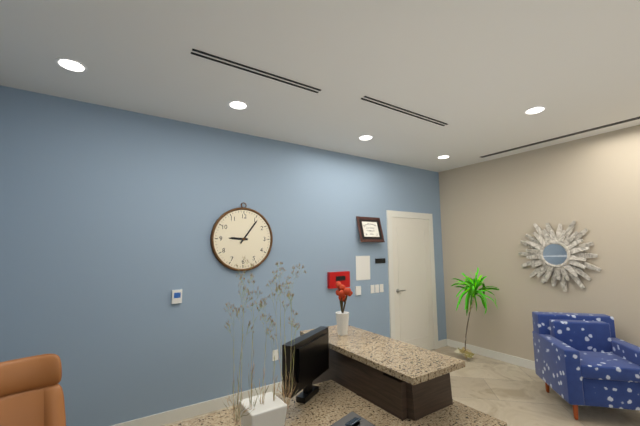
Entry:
9h06
